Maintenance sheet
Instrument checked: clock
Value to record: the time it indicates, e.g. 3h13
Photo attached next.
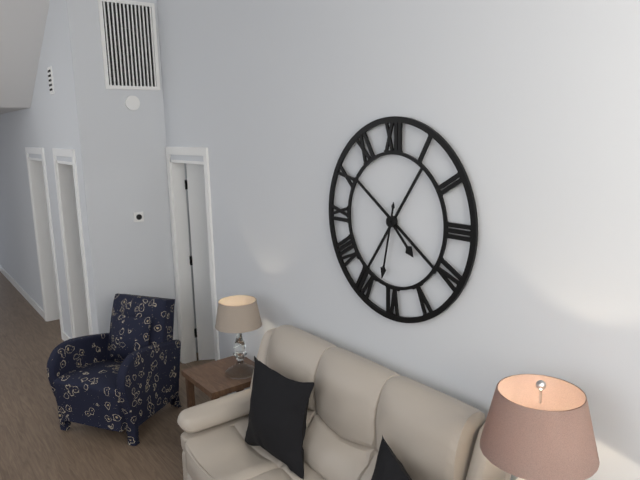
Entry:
4h32
